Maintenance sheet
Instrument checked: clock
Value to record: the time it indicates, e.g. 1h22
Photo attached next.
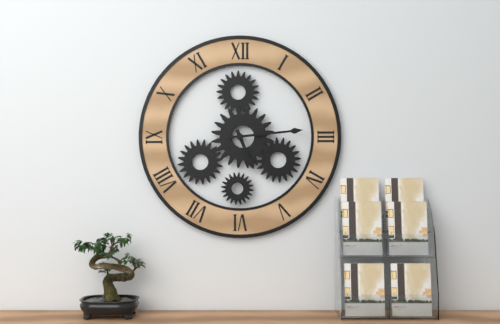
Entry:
5h14
